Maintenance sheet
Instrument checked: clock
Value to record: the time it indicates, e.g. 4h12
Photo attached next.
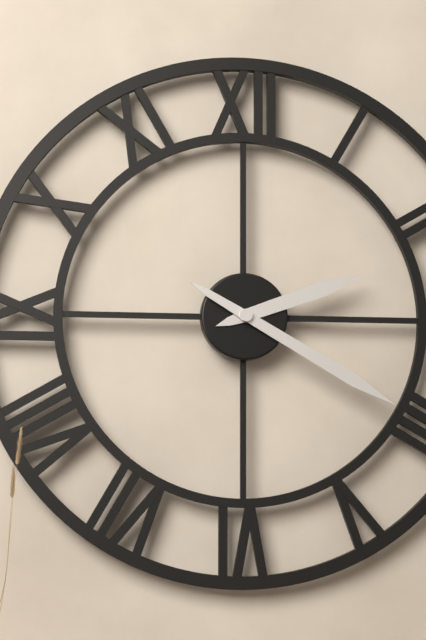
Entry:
2h20
